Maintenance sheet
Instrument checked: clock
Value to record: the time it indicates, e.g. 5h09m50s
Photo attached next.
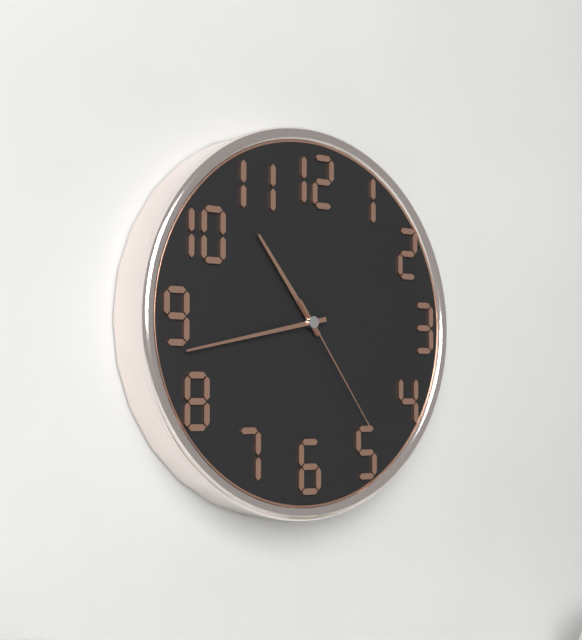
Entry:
10h43m24s
